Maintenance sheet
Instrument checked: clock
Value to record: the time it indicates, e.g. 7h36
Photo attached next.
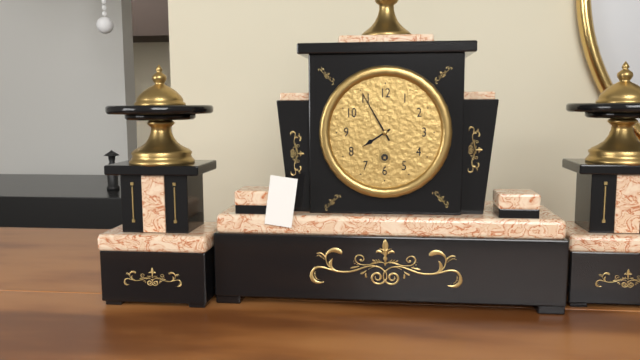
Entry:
7h55
